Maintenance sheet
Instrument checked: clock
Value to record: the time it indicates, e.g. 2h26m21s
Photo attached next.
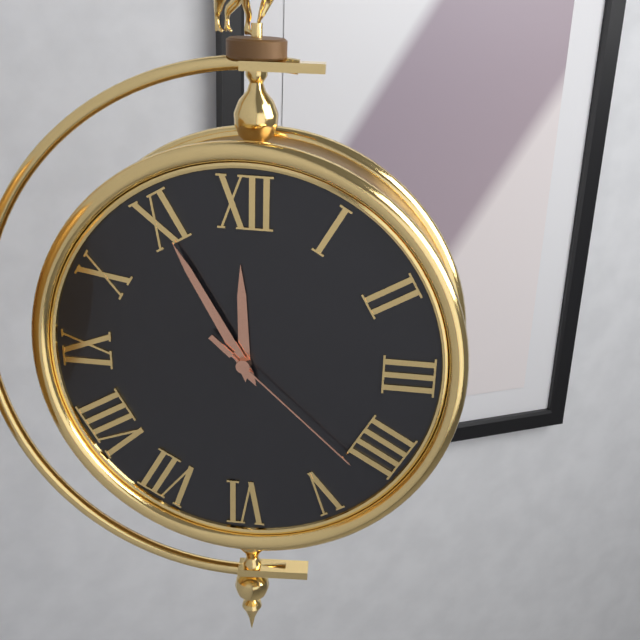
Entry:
11h55m22s
